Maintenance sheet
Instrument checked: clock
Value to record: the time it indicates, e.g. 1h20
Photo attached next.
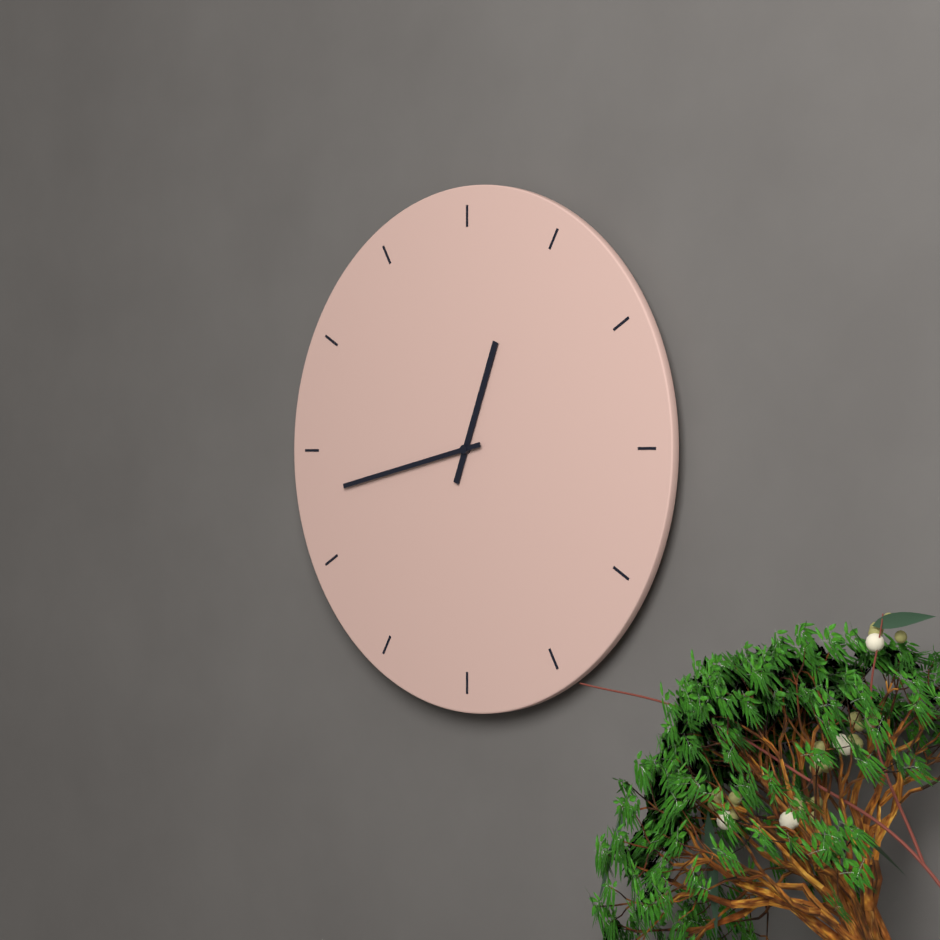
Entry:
12h43
